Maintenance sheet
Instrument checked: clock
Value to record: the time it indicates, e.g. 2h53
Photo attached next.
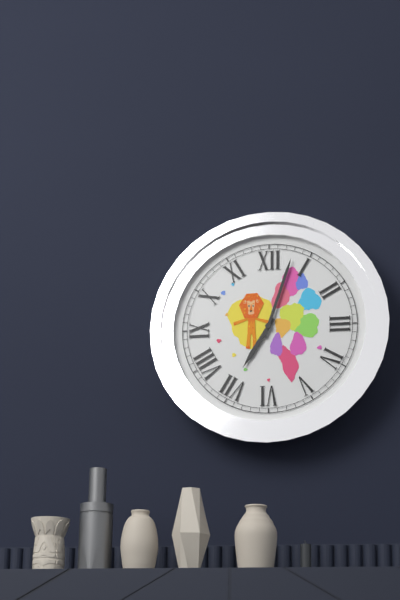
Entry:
7h03
